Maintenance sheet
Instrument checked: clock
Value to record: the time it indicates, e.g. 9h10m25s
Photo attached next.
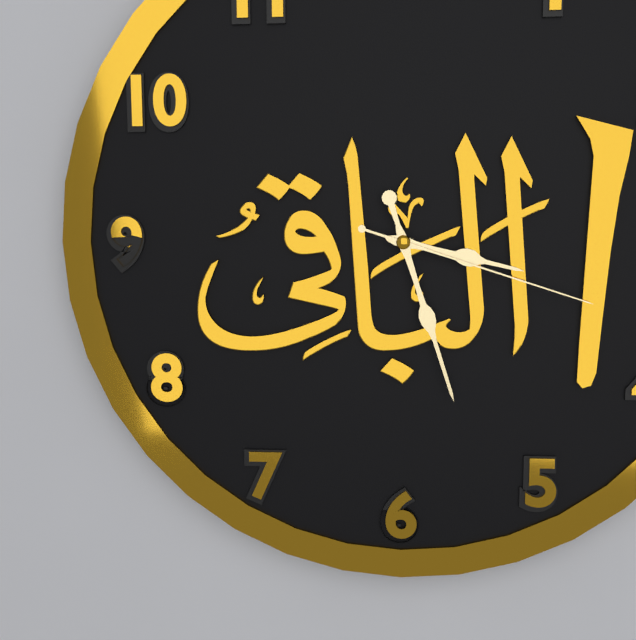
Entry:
3h27m18s
